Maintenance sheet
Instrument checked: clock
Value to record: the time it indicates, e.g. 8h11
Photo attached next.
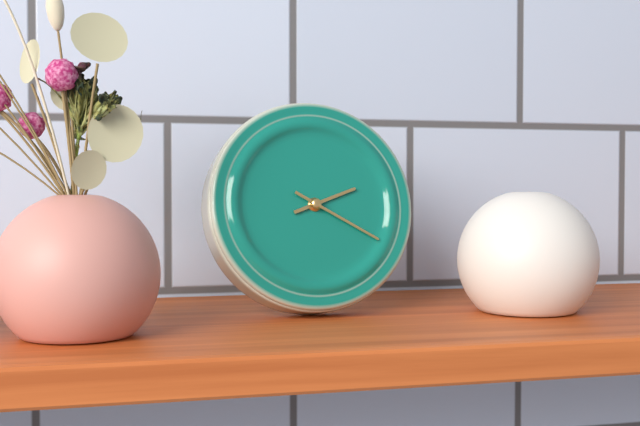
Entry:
2h20
